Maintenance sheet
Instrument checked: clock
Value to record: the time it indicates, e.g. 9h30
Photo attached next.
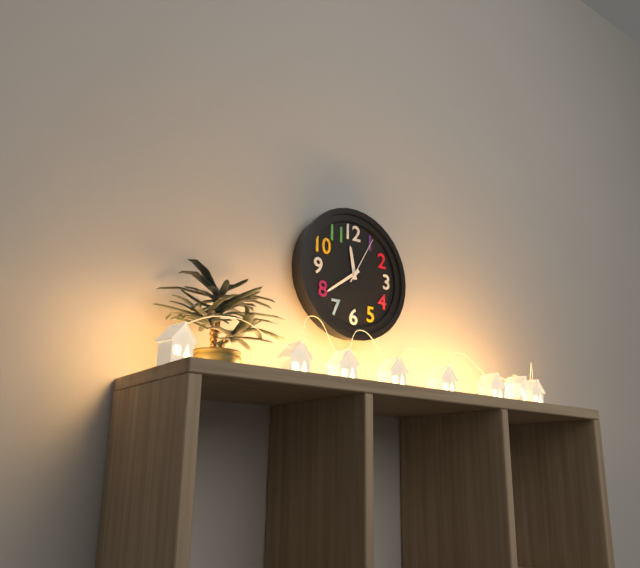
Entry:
11h39
